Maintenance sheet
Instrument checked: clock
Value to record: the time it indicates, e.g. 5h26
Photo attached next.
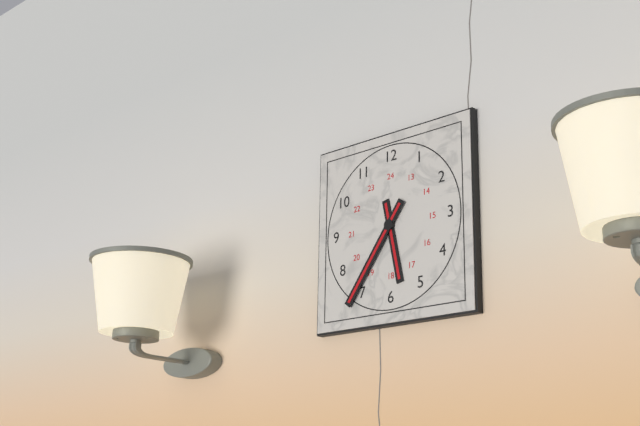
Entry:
5h36
